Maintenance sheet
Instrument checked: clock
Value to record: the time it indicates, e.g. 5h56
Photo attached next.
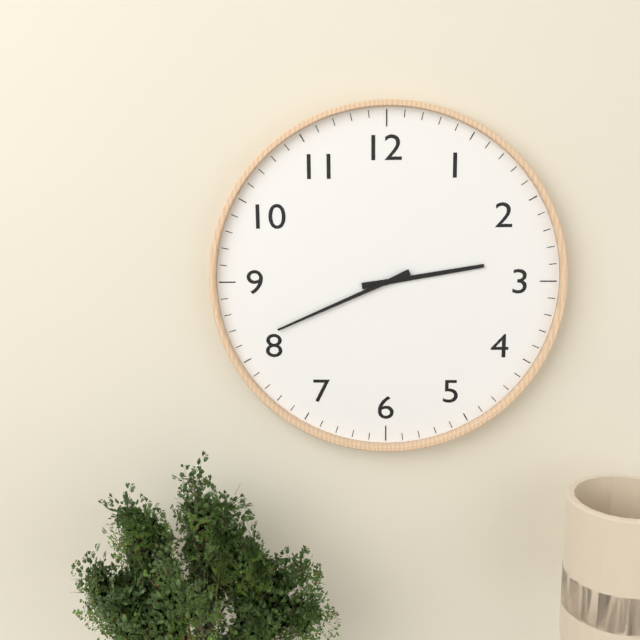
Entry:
2h41
